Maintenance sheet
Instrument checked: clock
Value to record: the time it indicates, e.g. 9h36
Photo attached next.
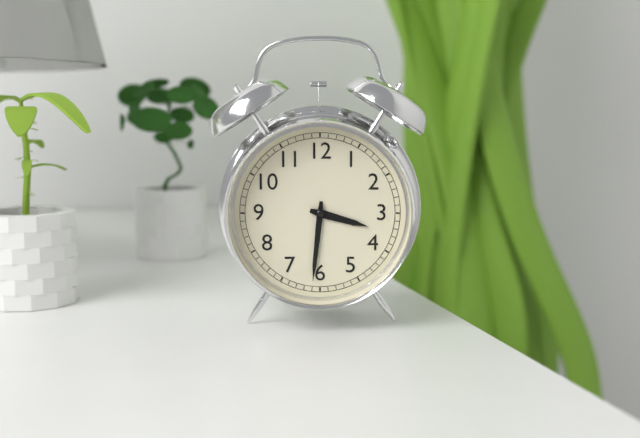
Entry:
3h31
